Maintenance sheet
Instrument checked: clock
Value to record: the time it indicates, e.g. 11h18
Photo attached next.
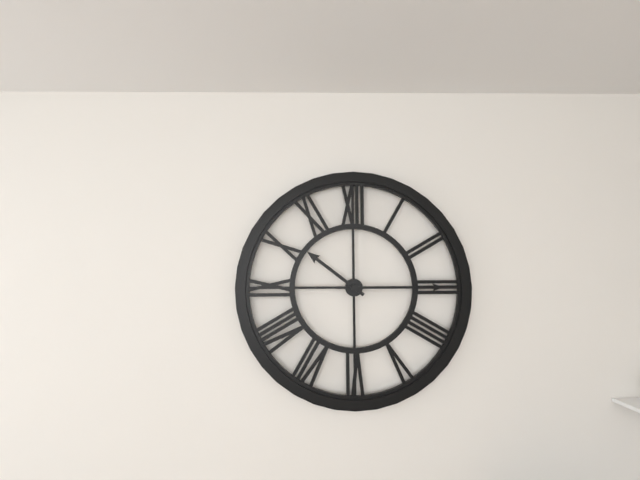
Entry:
10h15
